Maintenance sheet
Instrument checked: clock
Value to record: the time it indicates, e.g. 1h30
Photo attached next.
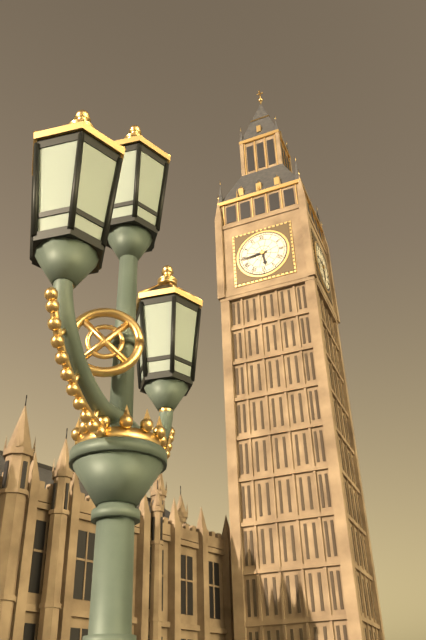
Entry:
5h44
